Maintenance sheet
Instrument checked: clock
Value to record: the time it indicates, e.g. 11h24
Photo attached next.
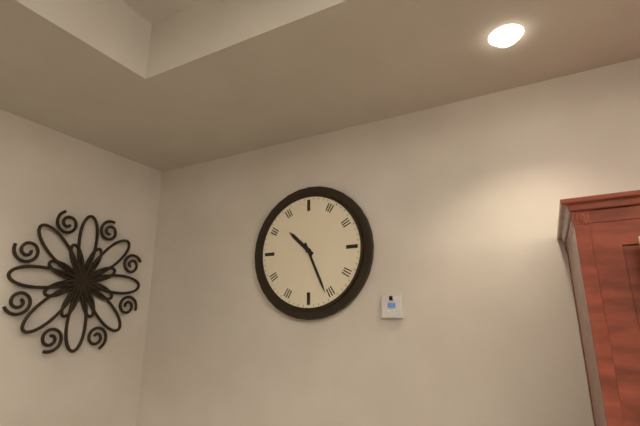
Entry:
10h26
